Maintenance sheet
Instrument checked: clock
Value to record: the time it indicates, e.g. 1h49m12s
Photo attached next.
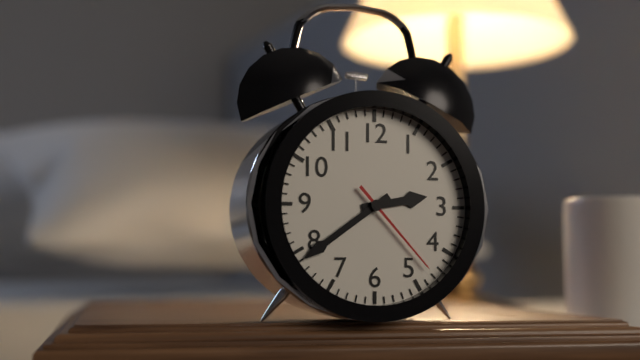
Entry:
2h39m23s
